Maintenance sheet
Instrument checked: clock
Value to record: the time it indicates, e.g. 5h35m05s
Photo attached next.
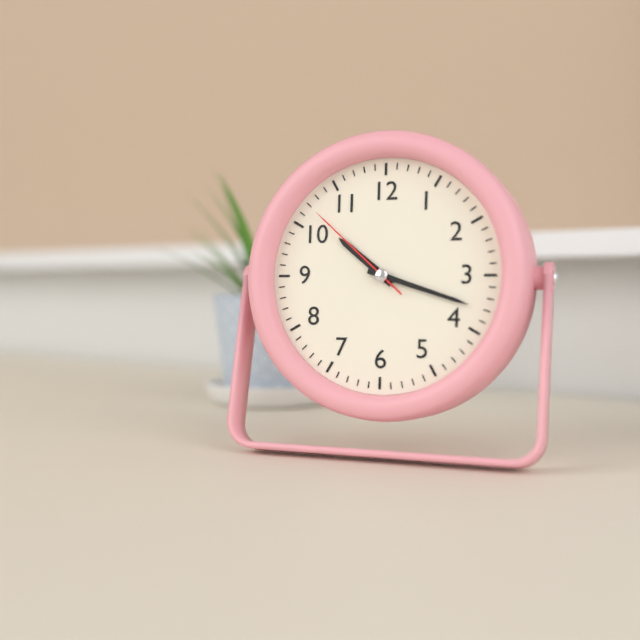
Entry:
10h18m52s
